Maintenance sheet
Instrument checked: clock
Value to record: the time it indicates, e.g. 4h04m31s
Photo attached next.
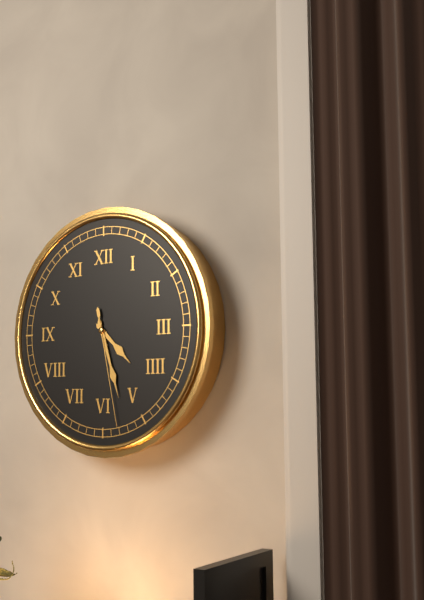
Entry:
4h27m28s
